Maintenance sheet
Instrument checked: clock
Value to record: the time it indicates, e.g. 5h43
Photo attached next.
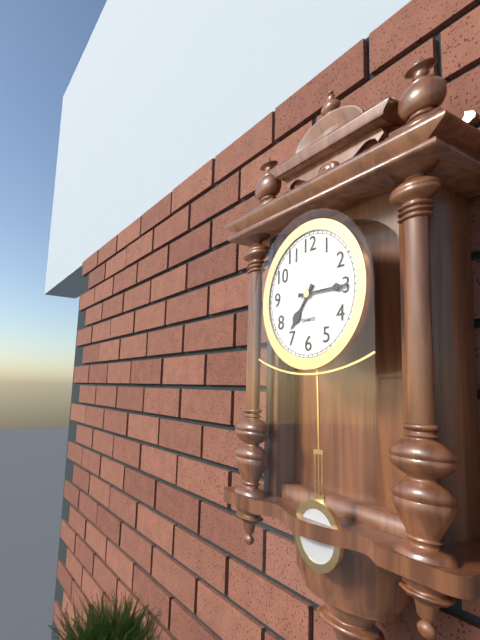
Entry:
7h15
